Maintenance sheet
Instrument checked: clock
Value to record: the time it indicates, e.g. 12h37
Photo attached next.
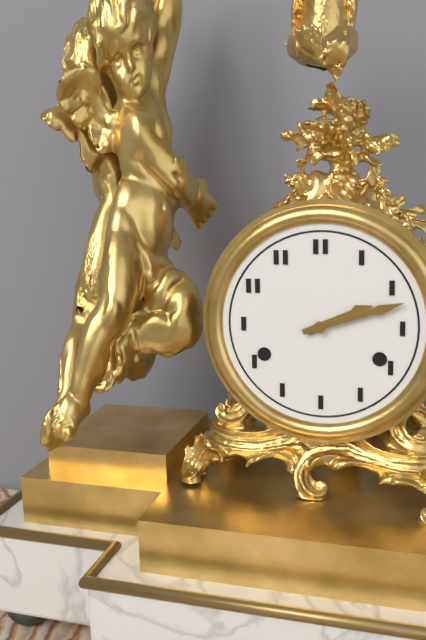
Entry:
2h12
